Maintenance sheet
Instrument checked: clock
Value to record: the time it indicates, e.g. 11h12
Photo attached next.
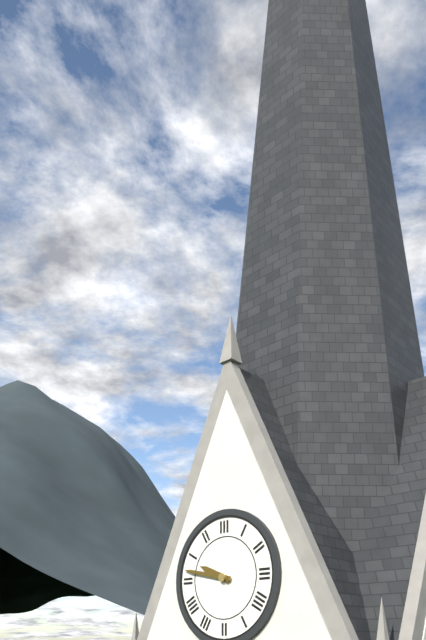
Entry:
9h47
